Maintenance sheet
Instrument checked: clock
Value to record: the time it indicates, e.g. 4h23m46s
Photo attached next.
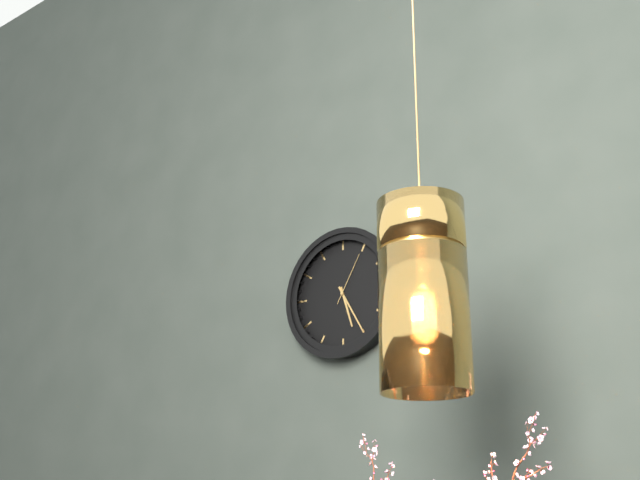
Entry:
5h25m05s
